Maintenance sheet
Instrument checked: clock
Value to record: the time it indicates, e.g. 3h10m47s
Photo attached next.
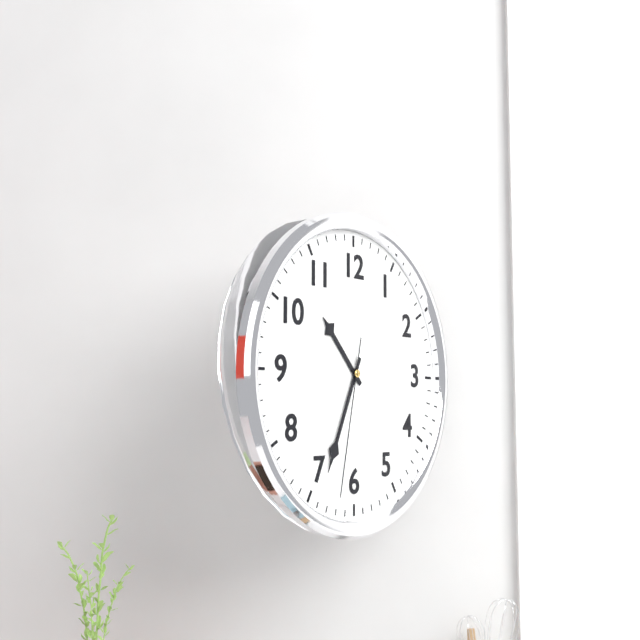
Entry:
10h34m32s
